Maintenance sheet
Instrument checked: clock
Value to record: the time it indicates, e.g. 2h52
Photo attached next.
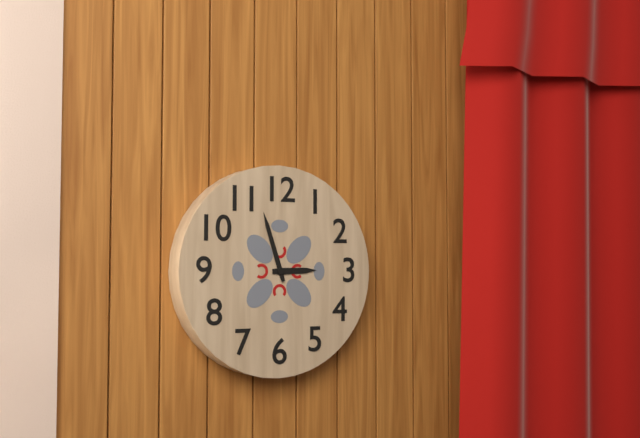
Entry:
2h57
